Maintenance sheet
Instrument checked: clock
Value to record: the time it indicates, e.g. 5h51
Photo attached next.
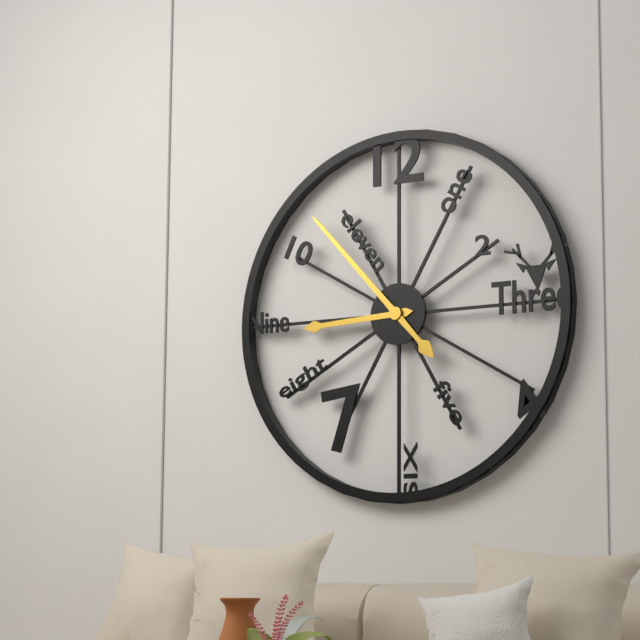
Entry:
8h53
